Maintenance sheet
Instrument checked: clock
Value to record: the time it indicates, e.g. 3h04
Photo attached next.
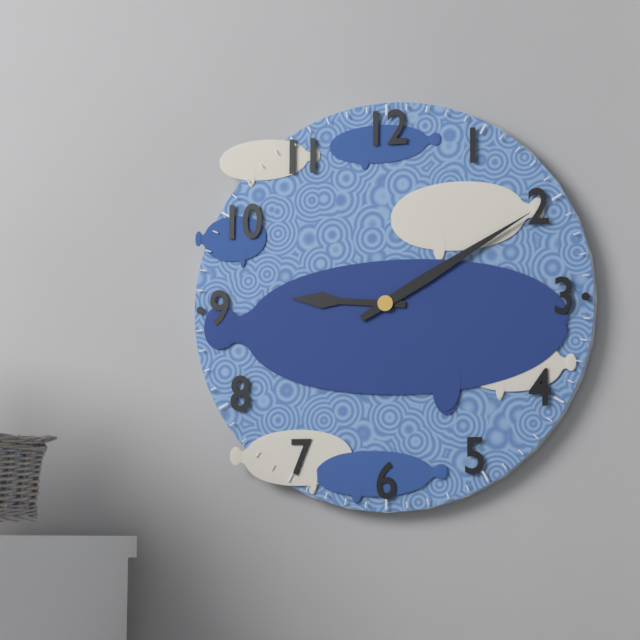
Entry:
9h10
